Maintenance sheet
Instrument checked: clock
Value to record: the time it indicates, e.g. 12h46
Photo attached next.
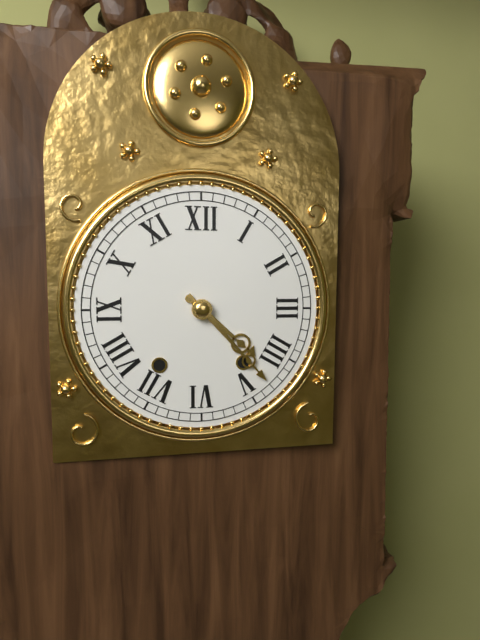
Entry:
4h23
